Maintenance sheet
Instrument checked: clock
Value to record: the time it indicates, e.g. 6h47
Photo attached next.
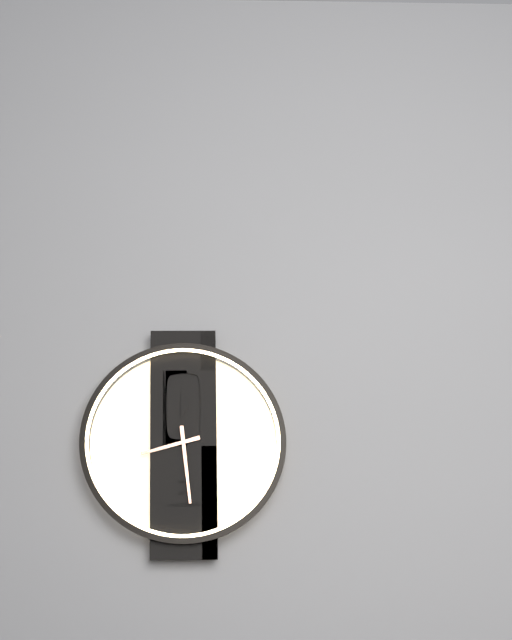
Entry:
8h29
